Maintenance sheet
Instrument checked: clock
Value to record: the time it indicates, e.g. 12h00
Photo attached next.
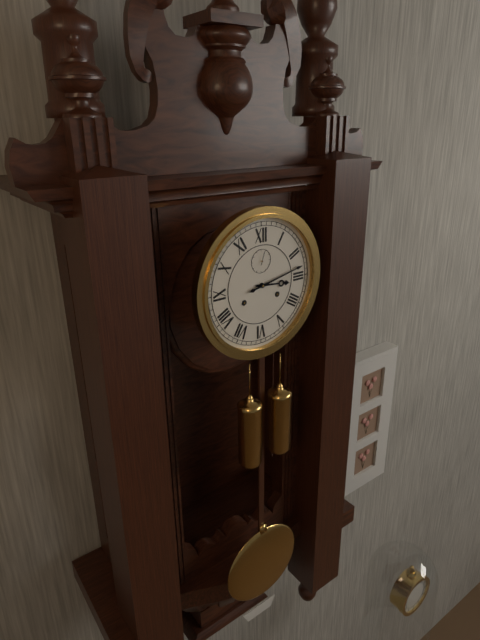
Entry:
3h13
